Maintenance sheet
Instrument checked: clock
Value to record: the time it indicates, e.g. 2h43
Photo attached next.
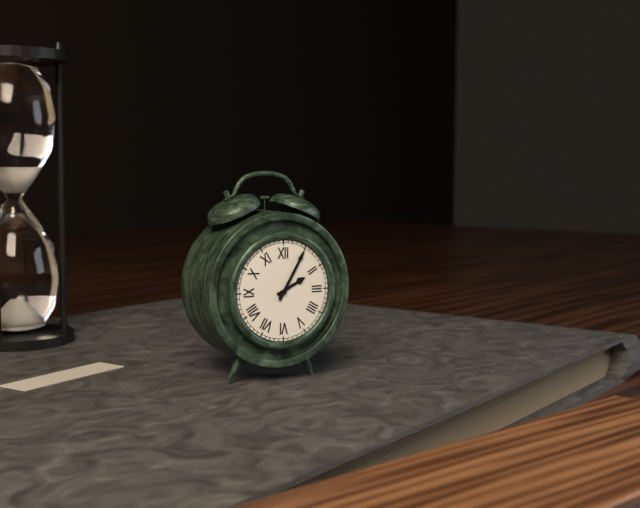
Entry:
2h05
